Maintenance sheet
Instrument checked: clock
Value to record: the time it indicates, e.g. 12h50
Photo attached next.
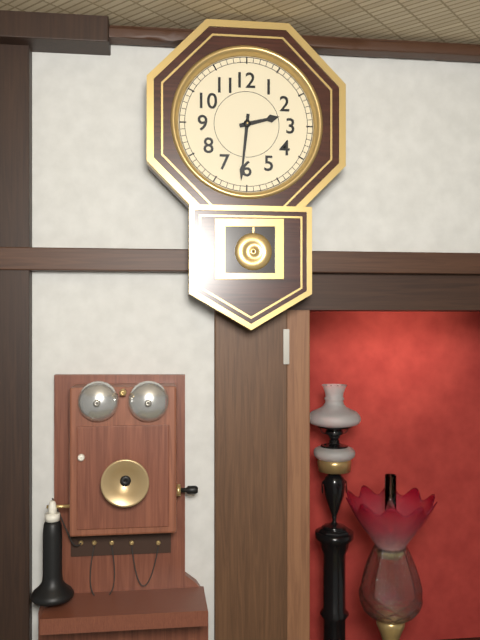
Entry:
2h31
